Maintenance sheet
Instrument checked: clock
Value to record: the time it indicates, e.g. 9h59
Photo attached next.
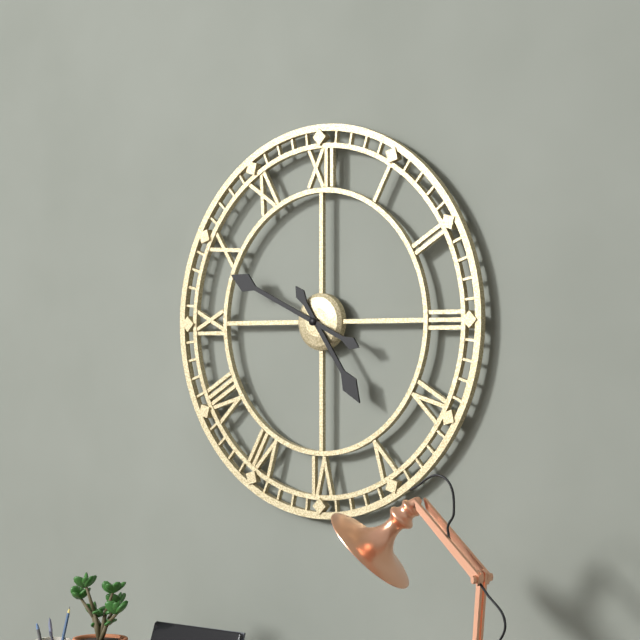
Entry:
4h49
